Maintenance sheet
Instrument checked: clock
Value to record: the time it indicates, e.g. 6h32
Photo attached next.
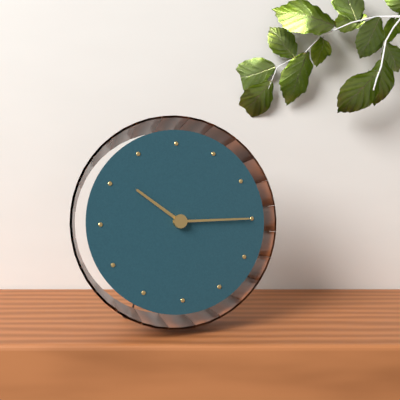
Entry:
10h15
